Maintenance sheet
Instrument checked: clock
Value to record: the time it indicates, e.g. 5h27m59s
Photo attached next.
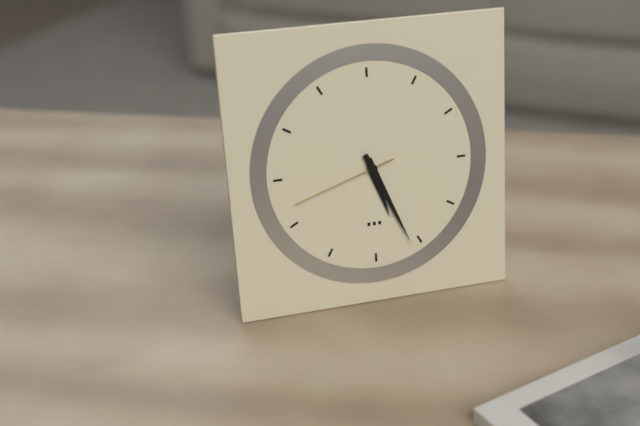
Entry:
5h26m42s
